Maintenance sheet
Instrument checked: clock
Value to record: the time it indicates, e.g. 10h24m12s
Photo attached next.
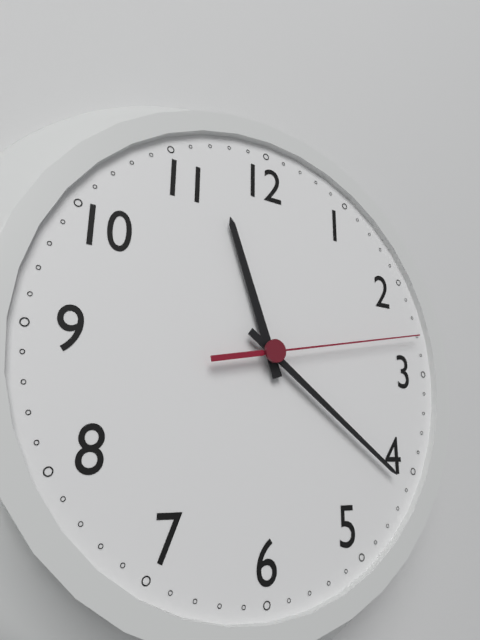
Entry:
11h21m13s
